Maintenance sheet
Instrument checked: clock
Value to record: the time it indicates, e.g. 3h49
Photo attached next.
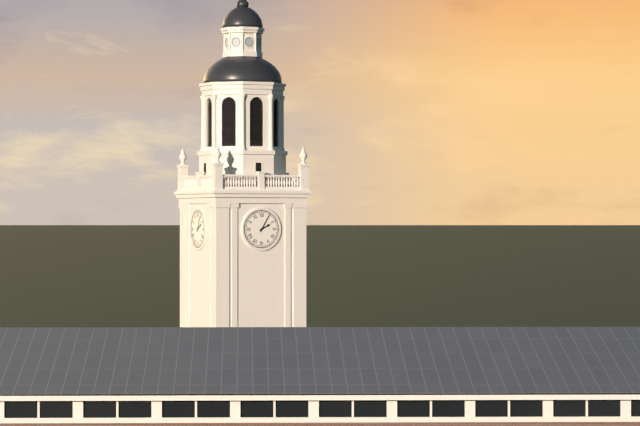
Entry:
2h05
